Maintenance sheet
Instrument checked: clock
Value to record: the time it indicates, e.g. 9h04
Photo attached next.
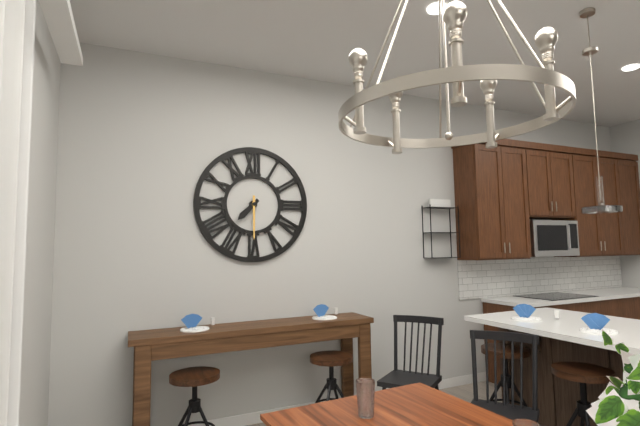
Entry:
7h30
